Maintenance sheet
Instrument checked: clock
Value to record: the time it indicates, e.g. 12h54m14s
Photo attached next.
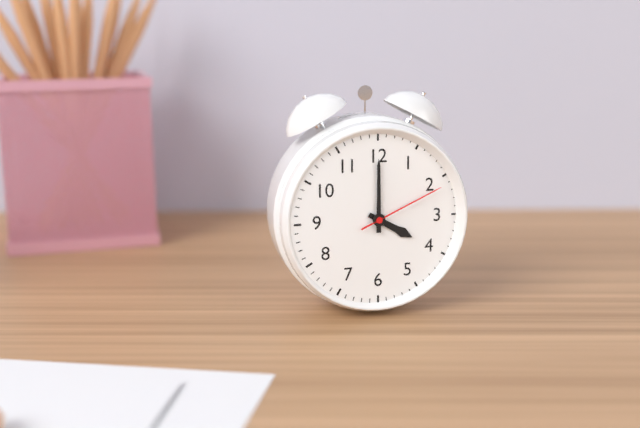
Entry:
4h00m11s
